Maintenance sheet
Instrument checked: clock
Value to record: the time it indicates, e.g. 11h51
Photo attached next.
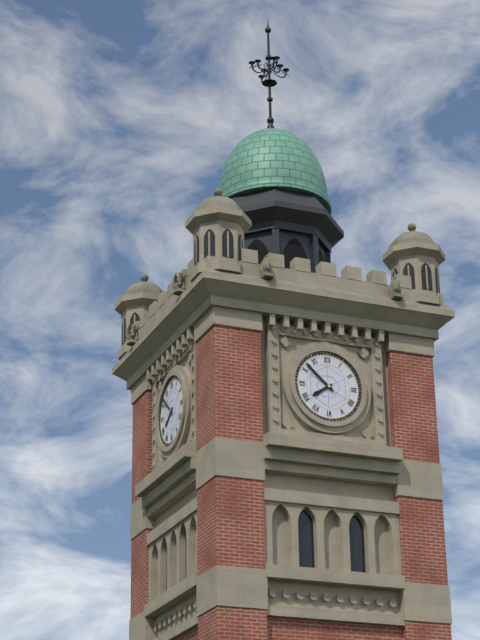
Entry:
7h52
